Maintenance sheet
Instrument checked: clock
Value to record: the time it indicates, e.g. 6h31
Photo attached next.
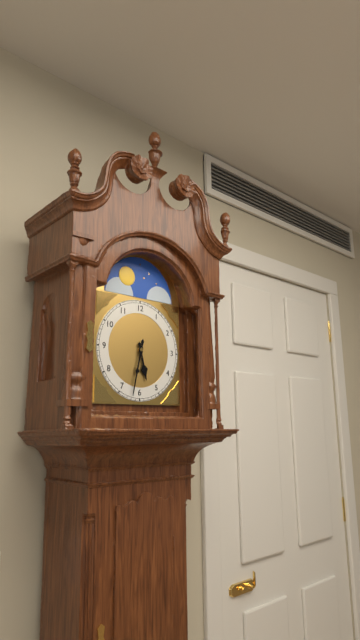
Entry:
5h32
